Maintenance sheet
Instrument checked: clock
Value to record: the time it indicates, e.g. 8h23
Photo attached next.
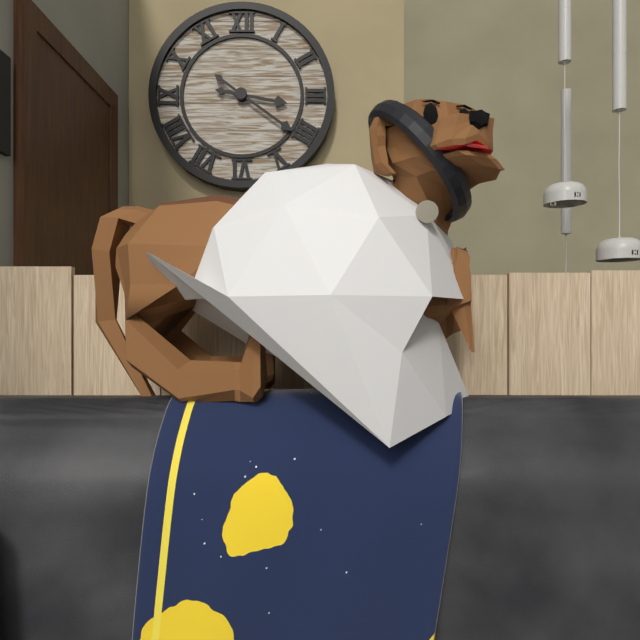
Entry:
3h21
